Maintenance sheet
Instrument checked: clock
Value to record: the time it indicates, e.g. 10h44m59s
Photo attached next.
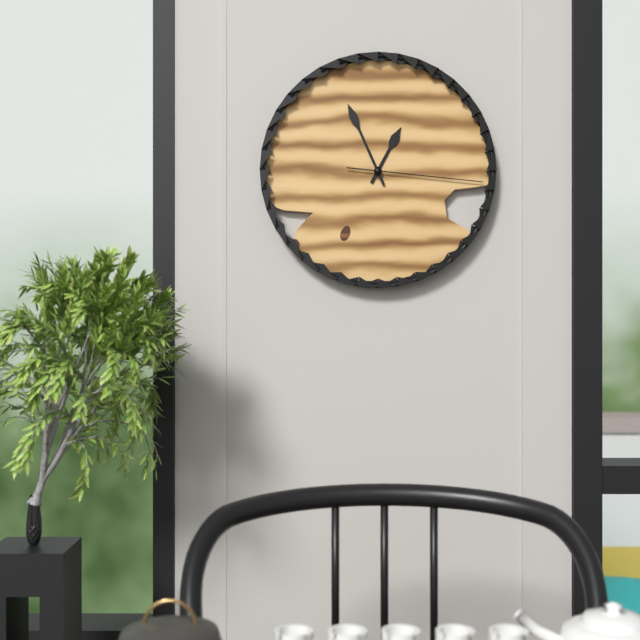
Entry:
12h56m16s
